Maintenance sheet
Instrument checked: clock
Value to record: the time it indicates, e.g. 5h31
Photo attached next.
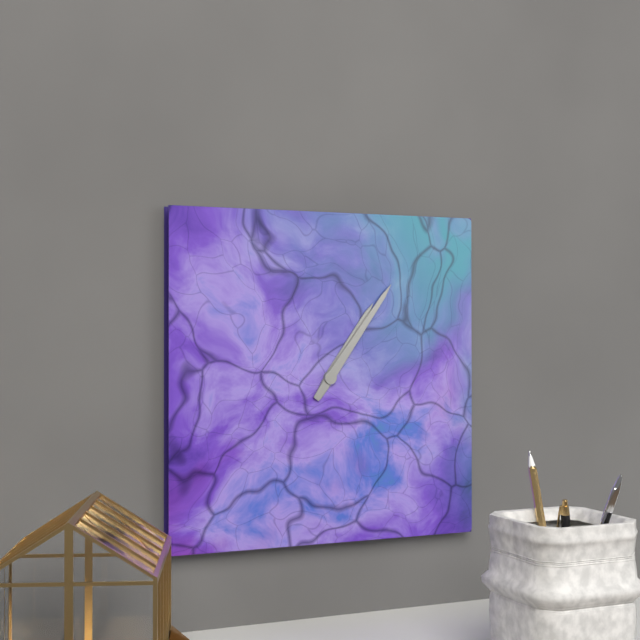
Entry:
1h06
